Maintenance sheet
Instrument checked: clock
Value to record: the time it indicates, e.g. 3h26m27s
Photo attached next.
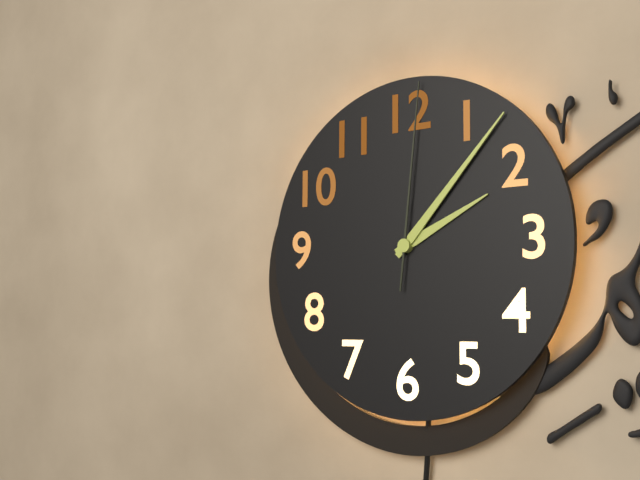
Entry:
2h07m01s
